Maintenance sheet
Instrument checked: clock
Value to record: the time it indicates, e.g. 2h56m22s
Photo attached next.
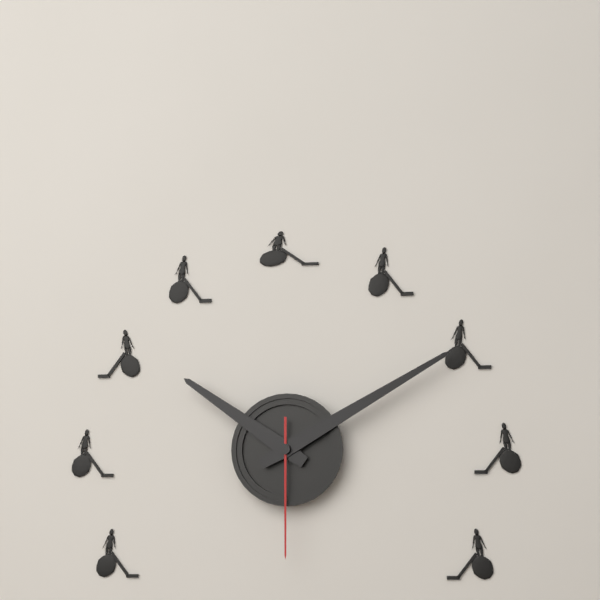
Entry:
10h10m30s
